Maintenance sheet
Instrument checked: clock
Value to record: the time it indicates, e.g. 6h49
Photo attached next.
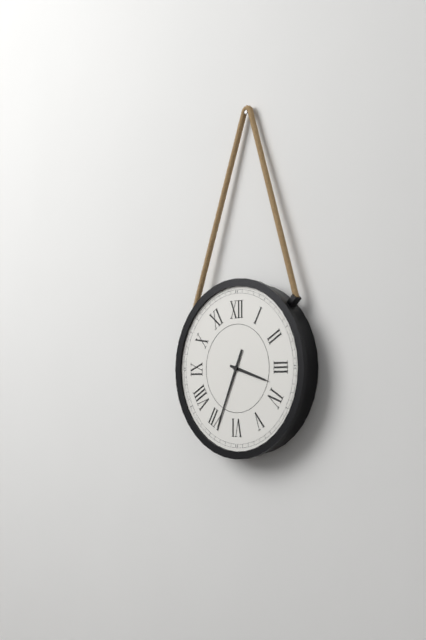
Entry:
3h34
